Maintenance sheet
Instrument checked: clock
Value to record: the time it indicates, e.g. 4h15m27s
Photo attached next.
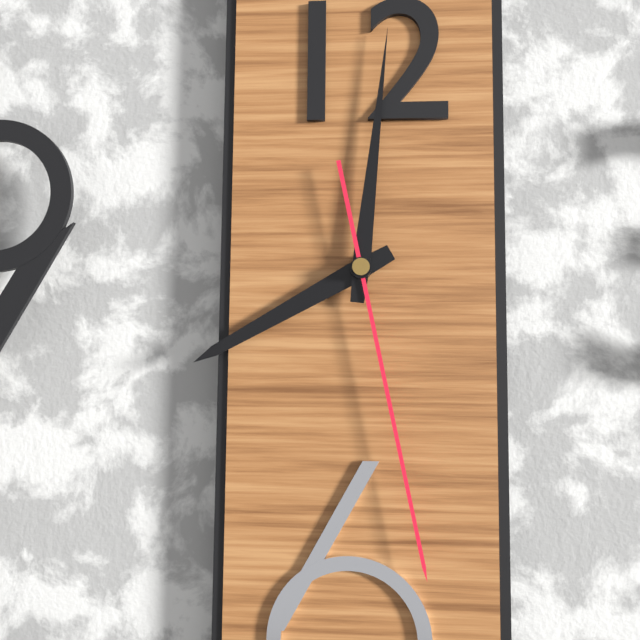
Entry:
8h01m28s
